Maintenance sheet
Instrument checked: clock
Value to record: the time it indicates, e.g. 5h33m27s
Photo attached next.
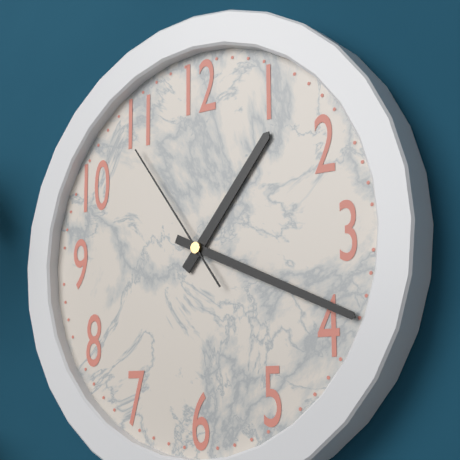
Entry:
1h19m54s
